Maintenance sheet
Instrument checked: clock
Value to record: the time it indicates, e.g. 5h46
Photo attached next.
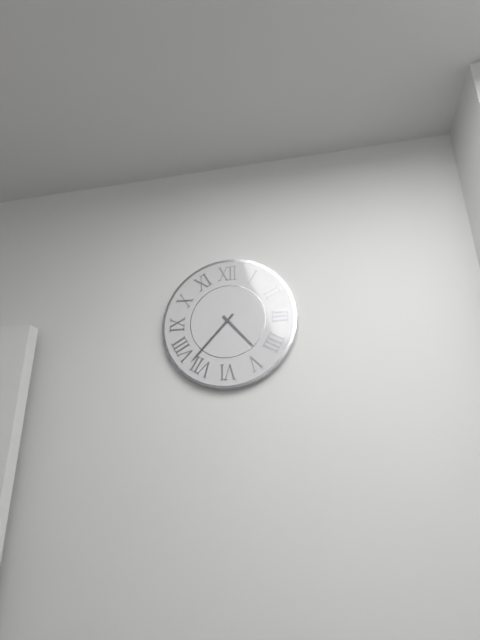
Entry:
4h37
